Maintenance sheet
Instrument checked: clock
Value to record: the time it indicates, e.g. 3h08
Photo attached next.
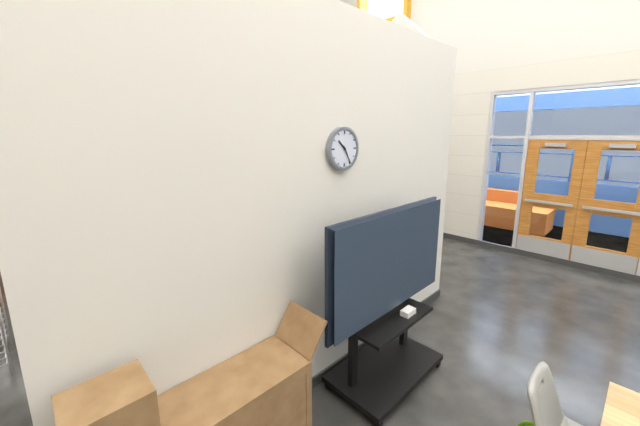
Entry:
10h25
